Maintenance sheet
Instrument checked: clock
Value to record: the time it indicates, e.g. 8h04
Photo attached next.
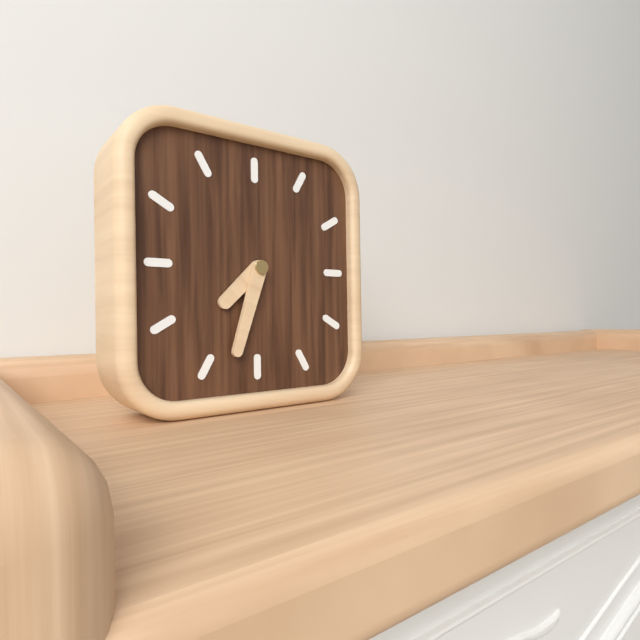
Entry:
7h33
